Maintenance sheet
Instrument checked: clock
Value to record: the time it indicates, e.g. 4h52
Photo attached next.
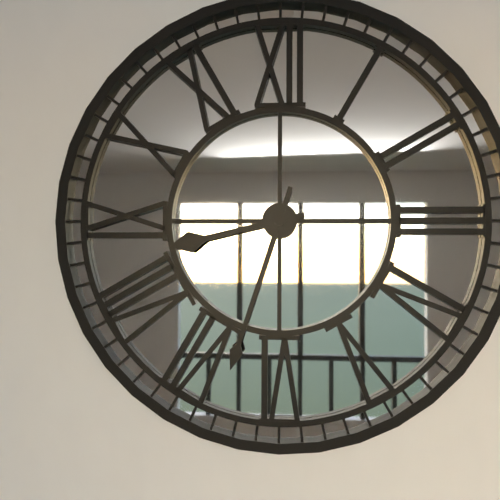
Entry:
8h33
